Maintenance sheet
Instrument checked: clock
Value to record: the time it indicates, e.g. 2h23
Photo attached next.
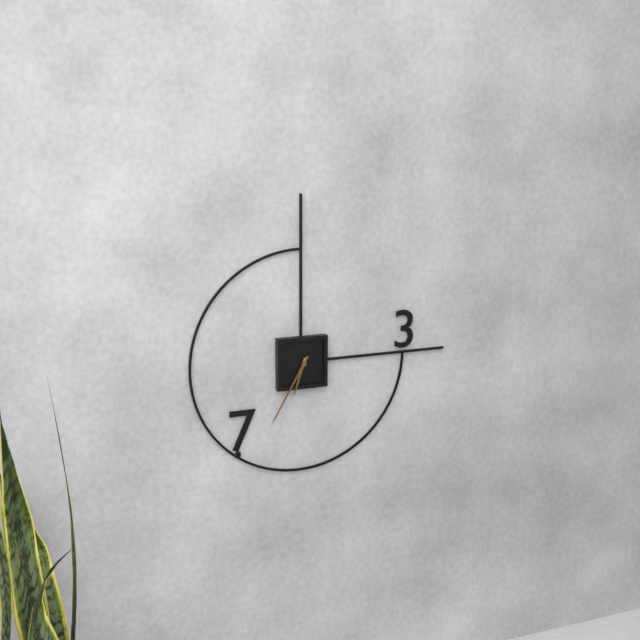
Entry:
6h35
